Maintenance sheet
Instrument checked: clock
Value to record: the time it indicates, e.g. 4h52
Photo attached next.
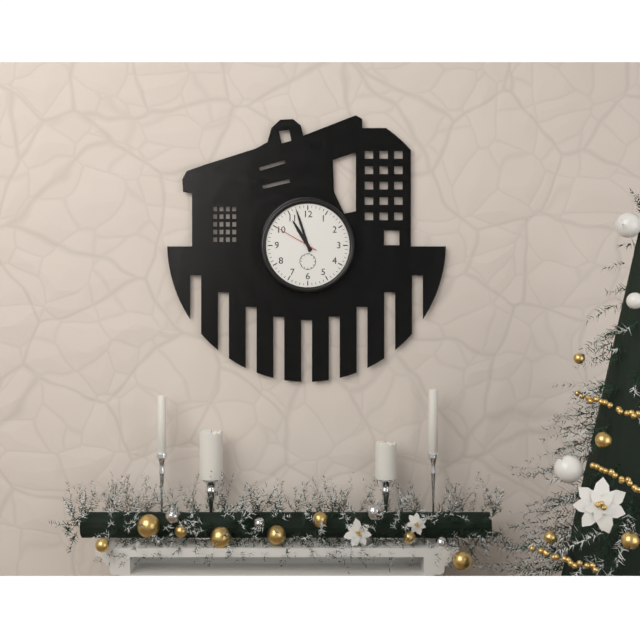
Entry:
10h57
